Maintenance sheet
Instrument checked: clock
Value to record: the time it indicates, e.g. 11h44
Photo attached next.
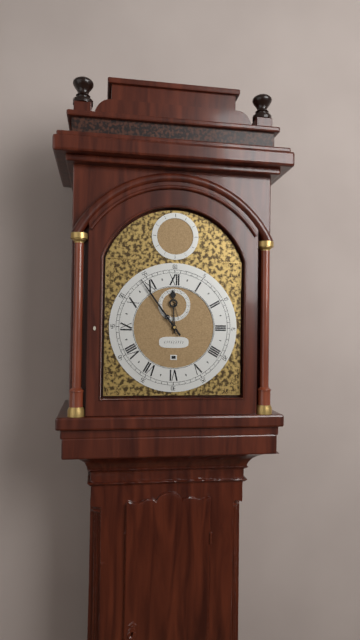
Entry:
11h54
